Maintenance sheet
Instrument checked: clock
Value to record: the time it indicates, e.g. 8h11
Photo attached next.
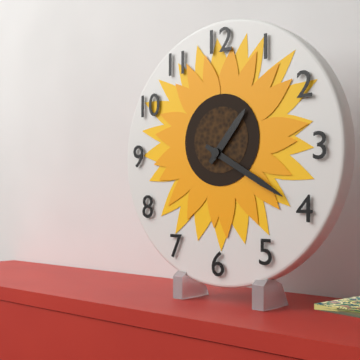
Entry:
1h20
